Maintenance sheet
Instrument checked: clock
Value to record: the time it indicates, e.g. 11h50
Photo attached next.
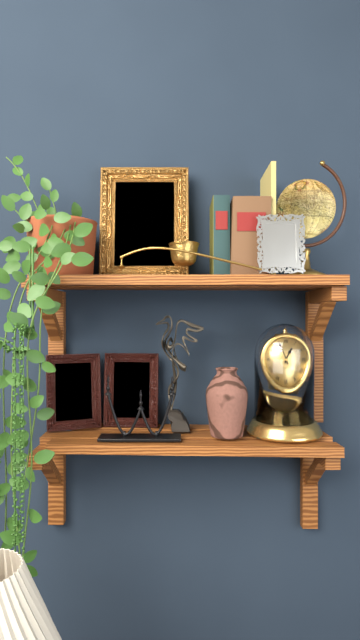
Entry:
12h56
